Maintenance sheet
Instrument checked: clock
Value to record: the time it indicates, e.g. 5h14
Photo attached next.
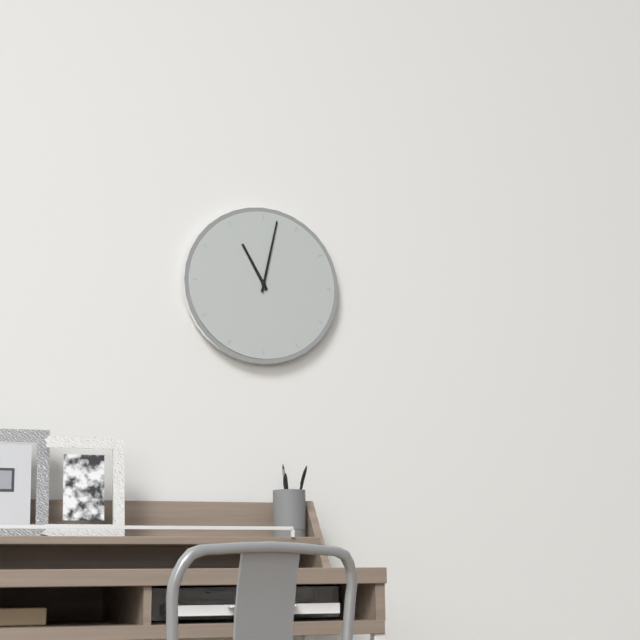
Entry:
11h02
